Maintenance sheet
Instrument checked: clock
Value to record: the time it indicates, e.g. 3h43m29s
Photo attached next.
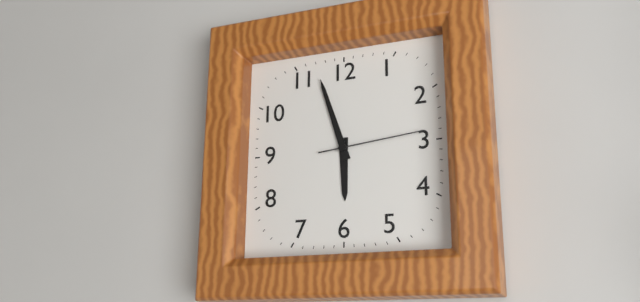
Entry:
5h57m14s
